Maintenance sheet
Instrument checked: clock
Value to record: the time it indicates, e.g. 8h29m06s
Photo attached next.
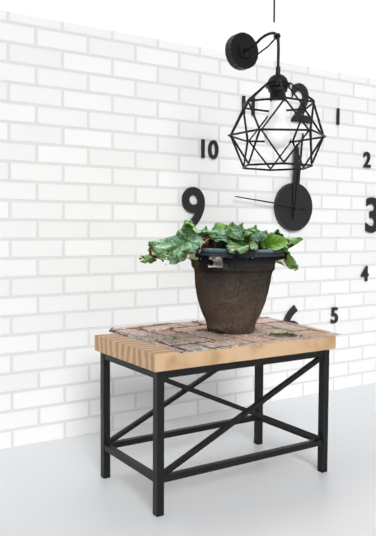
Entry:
12h01m46s
